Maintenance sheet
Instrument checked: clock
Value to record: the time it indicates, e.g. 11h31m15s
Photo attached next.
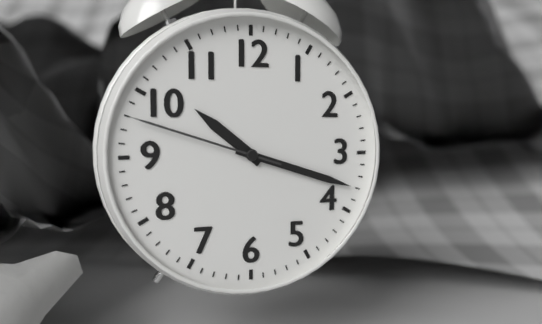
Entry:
10h18m48s
